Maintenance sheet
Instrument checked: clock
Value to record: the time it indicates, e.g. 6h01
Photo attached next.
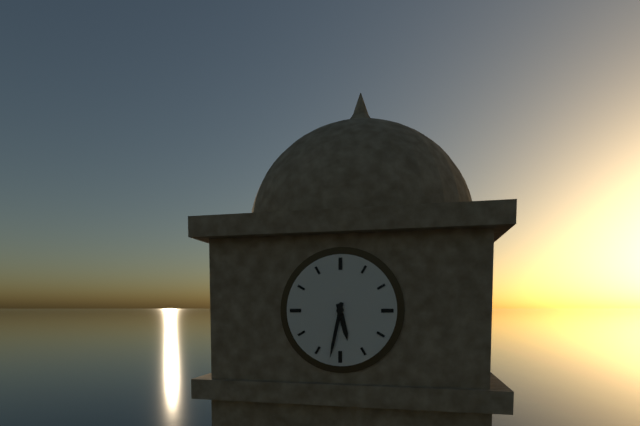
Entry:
5h32
